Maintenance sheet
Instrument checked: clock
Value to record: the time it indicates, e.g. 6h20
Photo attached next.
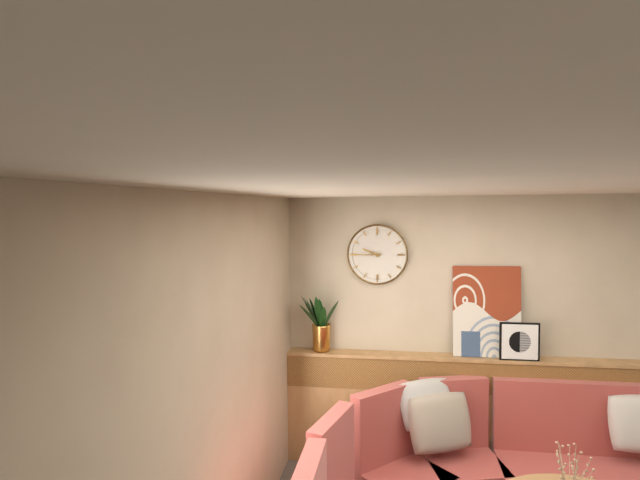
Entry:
9h45
